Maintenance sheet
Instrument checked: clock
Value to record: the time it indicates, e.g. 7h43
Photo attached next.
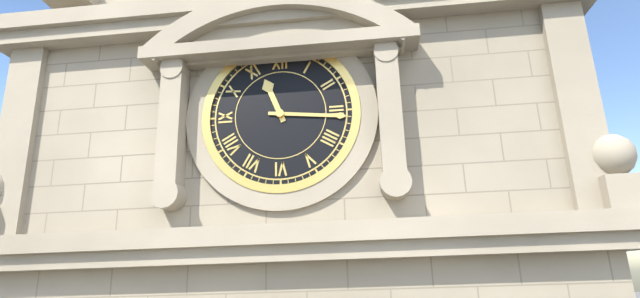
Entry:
11h16
